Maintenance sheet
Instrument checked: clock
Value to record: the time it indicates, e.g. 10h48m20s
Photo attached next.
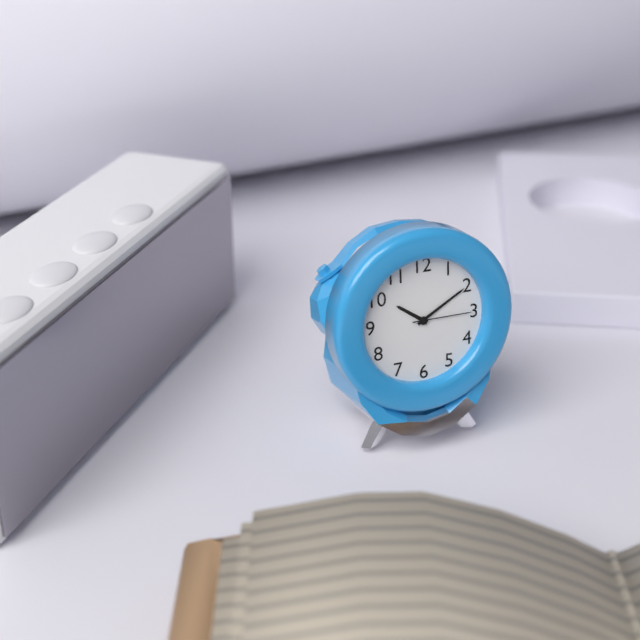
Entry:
10h10m15s
